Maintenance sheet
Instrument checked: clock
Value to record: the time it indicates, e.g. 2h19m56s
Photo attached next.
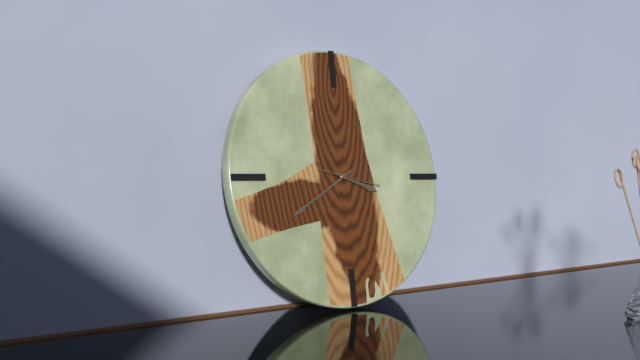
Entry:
3h40m17s
